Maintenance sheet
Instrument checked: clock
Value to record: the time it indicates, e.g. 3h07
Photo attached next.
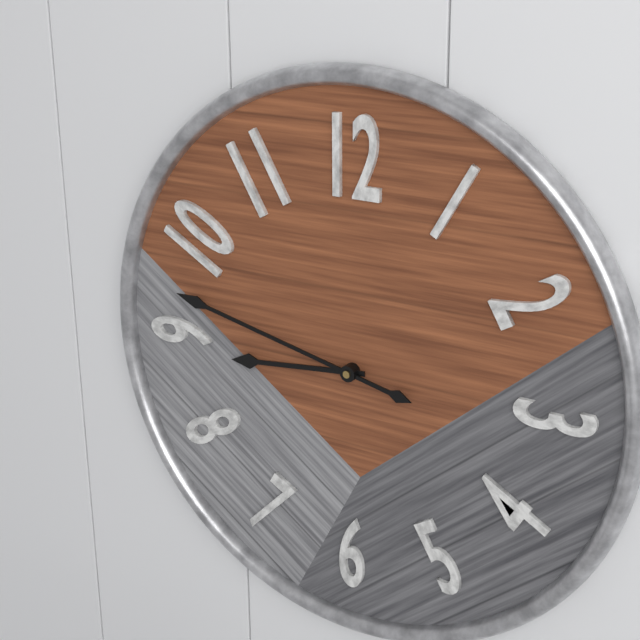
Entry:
8h47
